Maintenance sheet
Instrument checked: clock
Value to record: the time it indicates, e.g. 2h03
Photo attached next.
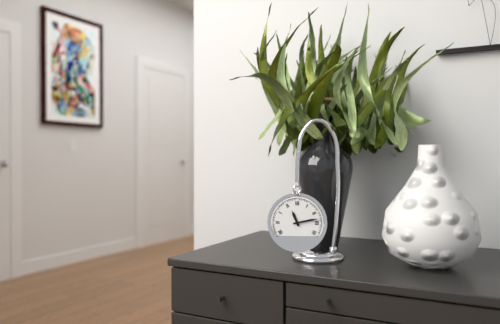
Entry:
11h13
